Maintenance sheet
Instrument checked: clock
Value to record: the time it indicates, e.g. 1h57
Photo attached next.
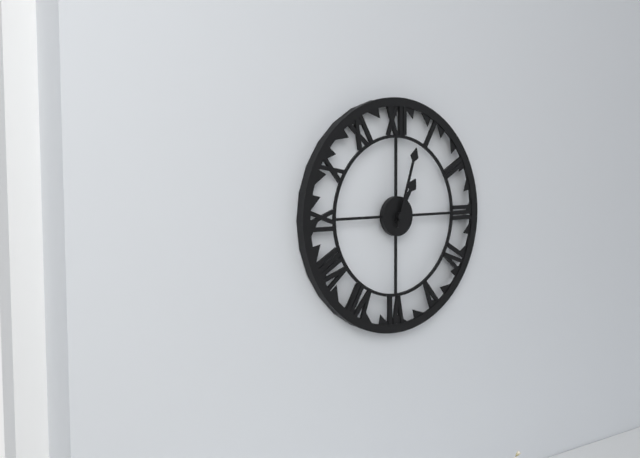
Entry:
1h03
